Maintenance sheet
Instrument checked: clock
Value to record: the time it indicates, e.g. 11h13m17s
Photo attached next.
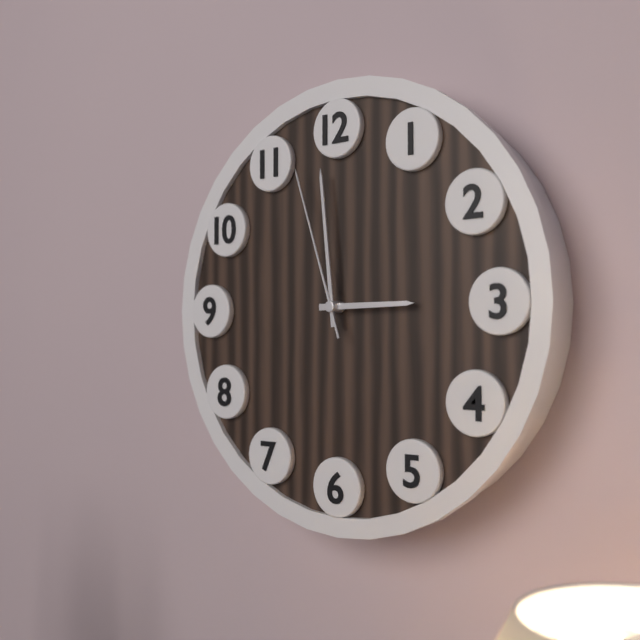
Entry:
2h59m57s
